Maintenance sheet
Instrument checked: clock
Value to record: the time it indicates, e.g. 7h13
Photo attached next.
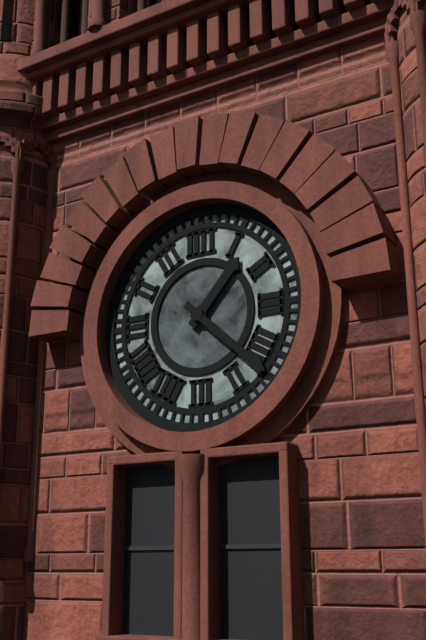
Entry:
1h22
